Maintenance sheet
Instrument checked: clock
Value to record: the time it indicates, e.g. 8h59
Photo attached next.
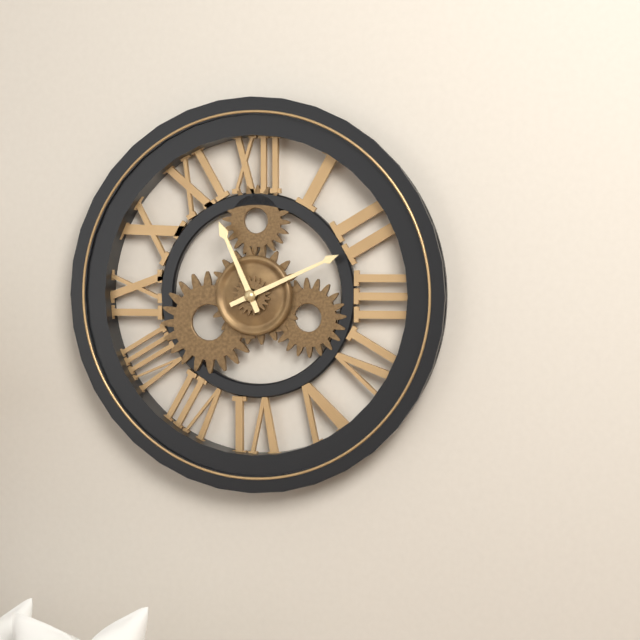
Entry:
11h11
